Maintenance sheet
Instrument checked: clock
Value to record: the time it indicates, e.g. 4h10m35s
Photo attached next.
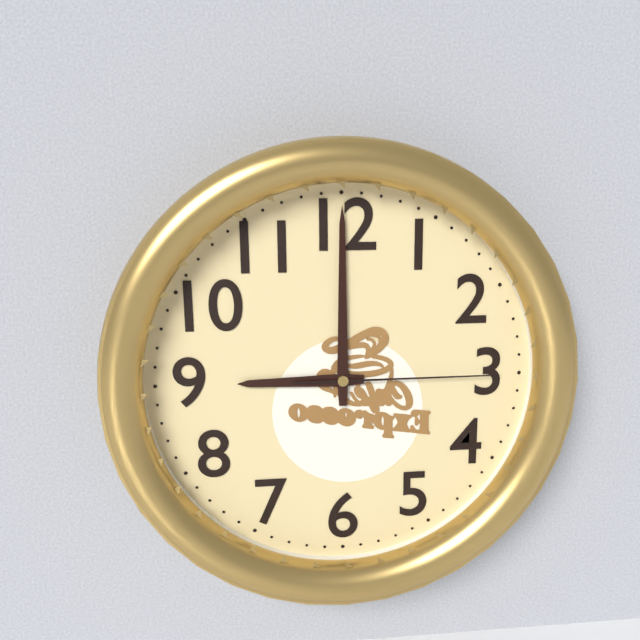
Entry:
9h00m15s
